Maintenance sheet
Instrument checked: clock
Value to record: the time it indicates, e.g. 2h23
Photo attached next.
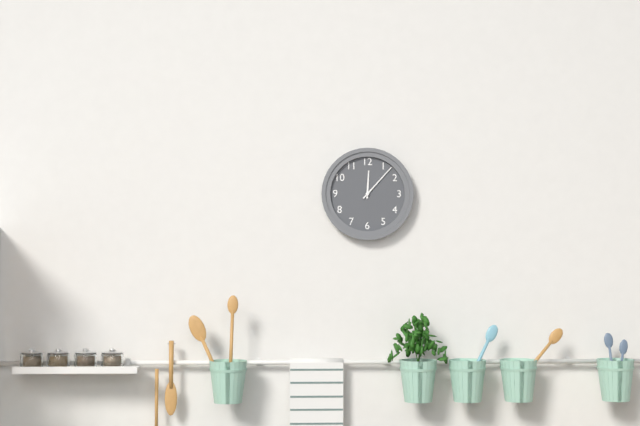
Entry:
12h07
